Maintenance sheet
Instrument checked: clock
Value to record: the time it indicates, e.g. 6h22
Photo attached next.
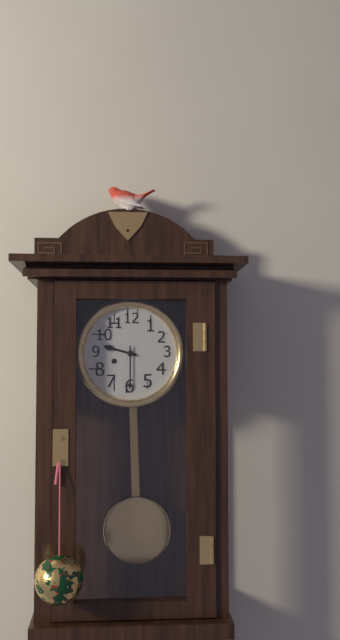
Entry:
9h30
